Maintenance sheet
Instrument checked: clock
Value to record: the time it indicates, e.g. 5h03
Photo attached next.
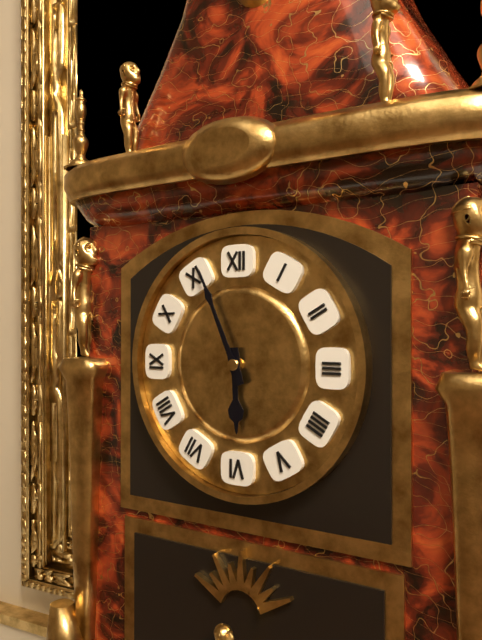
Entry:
5h56
